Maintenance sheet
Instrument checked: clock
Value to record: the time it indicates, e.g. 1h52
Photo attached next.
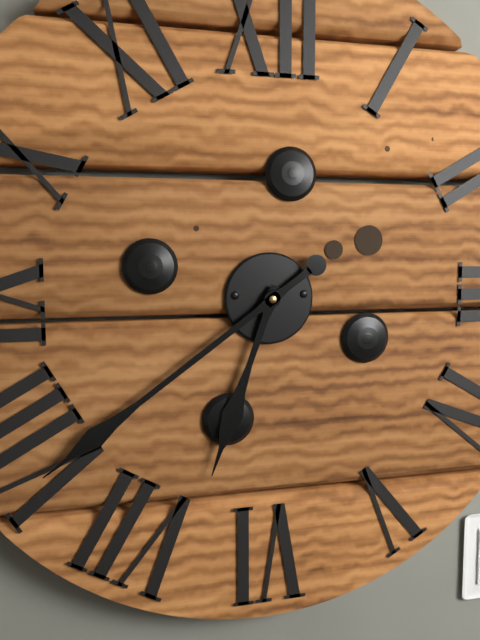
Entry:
6h39
